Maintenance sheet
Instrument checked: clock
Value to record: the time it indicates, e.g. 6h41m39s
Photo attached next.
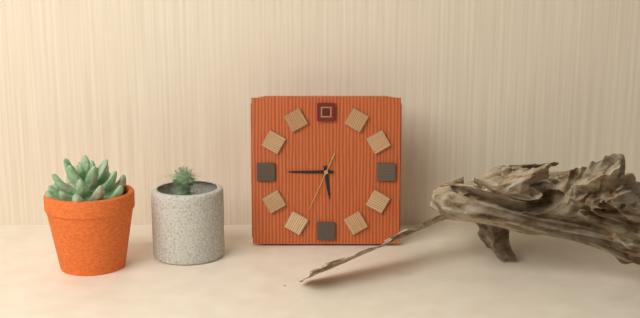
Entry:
5h45m34s
